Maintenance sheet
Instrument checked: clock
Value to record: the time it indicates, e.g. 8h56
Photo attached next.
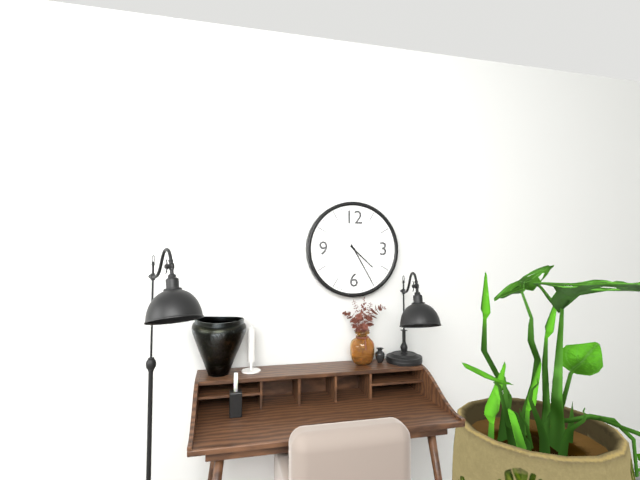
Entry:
4h25
